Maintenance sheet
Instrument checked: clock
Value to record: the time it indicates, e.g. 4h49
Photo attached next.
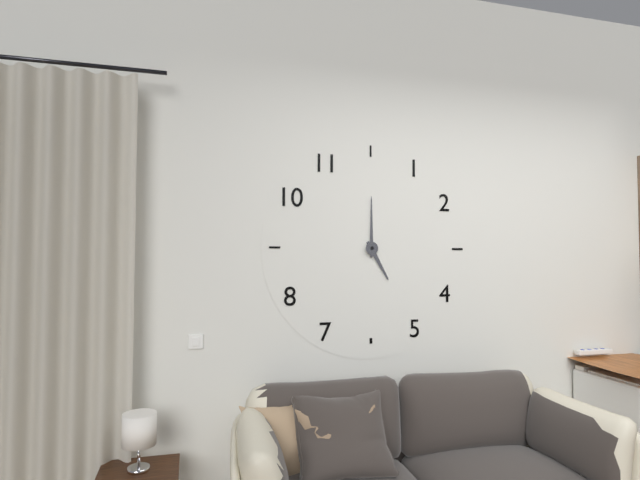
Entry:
5h00
